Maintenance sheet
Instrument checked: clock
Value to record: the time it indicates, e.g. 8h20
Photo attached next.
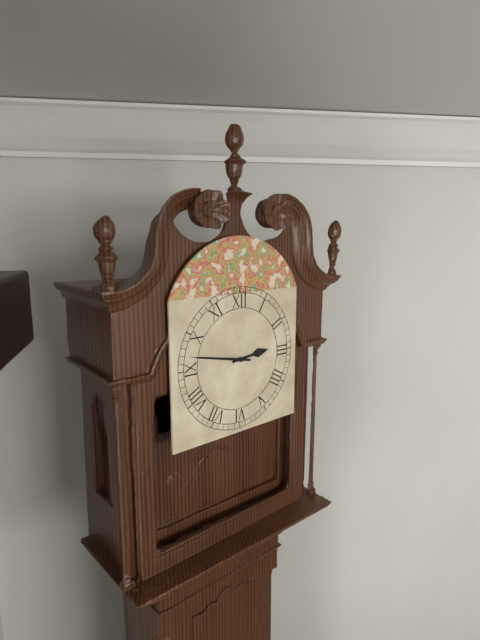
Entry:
2h47
